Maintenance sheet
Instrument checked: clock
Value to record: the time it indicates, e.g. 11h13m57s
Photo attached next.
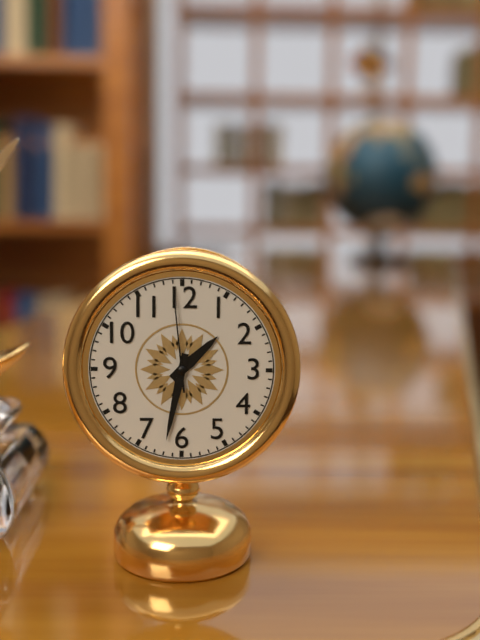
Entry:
1h32m59s
